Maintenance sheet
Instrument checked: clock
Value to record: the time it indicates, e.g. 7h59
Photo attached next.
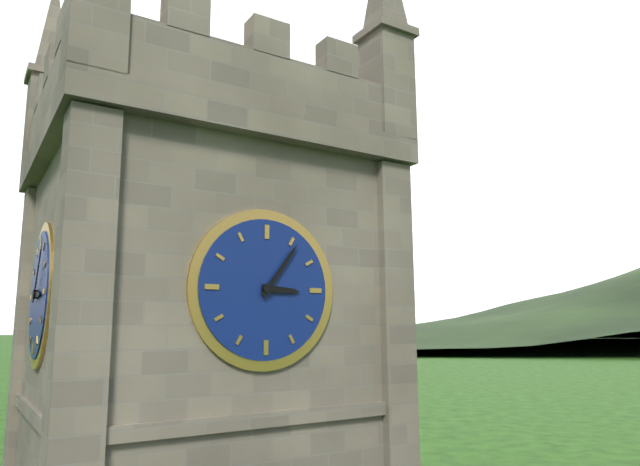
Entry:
3h06
